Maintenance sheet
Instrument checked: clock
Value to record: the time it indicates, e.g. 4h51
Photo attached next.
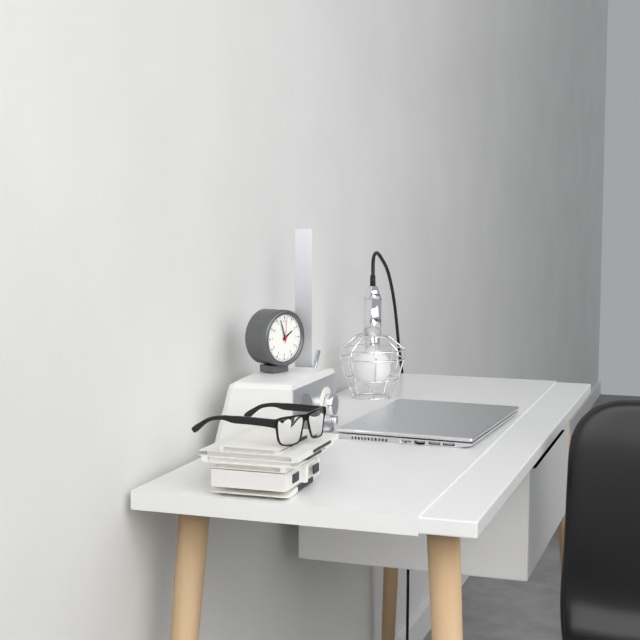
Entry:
1h57
